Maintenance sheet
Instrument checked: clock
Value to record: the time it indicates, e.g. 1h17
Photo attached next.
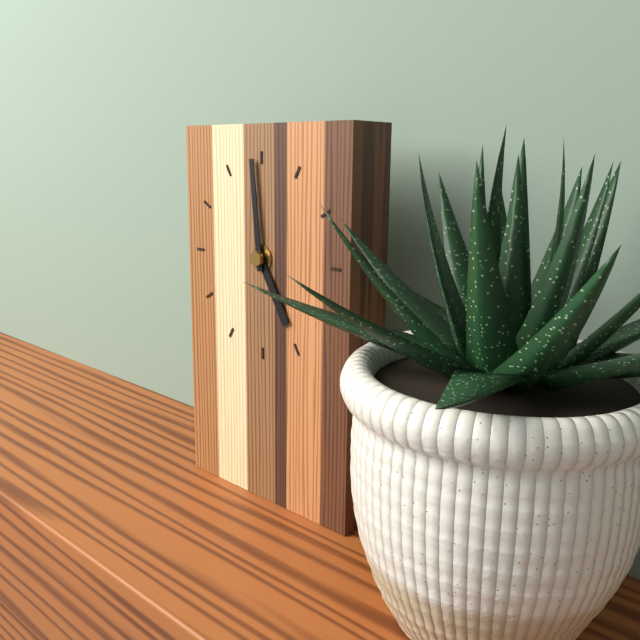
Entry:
4h59
